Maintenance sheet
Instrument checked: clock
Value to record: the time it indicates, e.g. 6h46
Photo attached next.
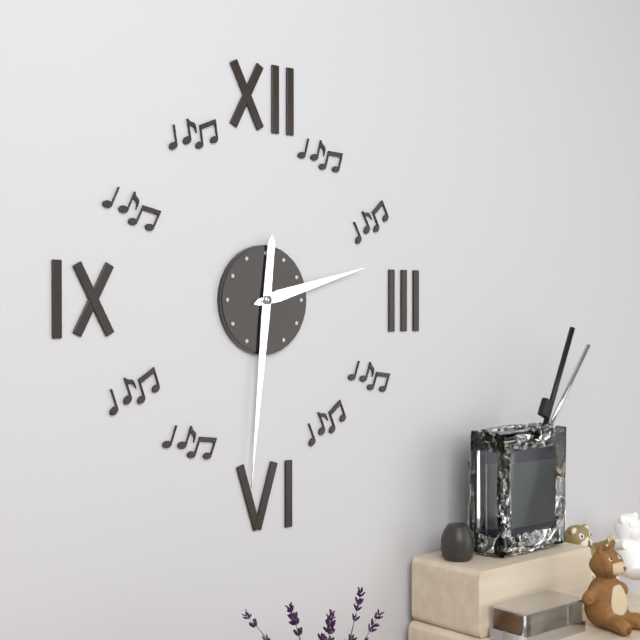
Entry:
2h31
